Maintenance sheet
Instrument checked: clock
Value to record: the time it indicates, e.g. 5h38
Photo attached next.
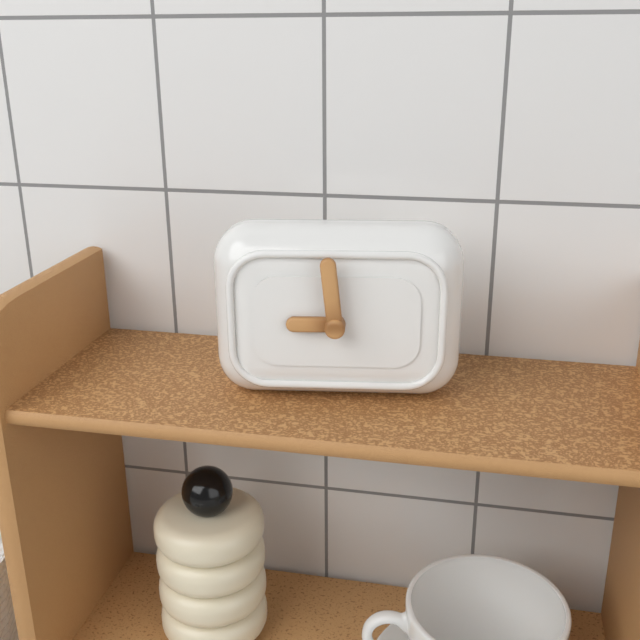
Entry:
8h59
